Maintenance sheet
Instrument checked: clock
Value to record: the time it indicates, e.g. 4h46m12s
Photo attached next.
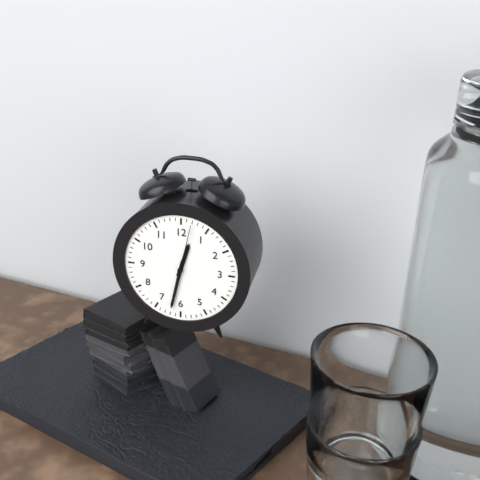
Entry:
12h32m02s
